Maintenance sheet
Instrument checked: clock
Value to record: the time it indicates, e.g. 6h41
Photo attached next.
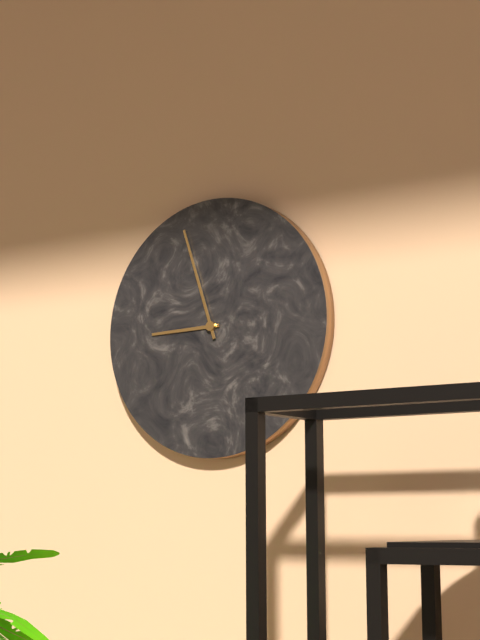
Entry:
8h57
